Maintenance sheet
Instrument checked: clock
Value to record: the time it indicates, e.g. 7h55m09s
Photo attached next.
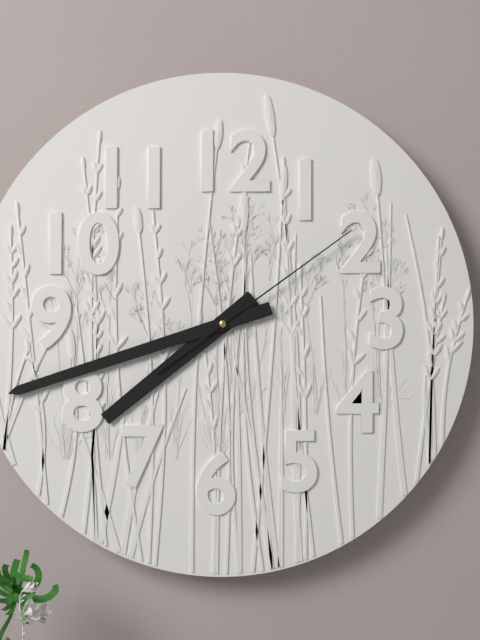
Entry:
7h42m09s
